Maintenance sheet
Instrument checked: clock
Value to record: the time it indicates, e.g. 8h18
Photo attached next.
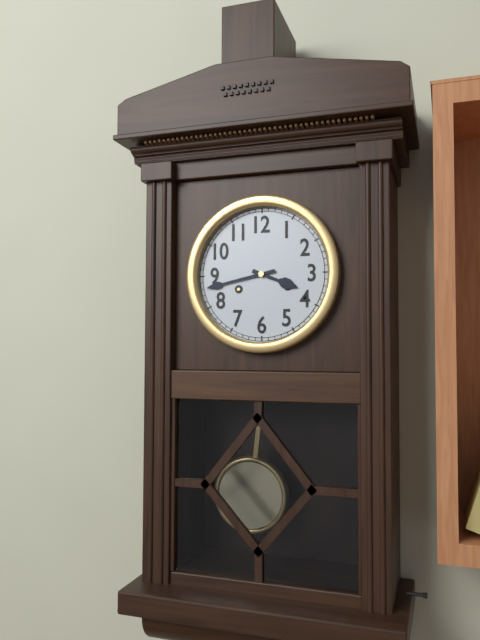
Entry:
3h43
